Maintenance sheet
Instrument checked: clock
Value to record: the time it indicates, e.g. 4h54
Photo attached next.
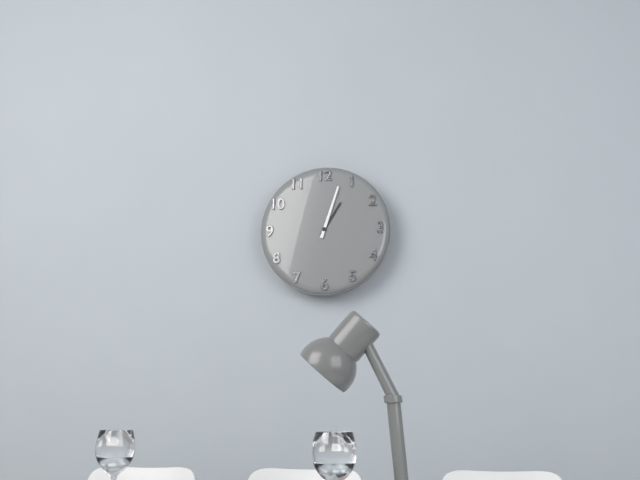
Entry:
1h03
